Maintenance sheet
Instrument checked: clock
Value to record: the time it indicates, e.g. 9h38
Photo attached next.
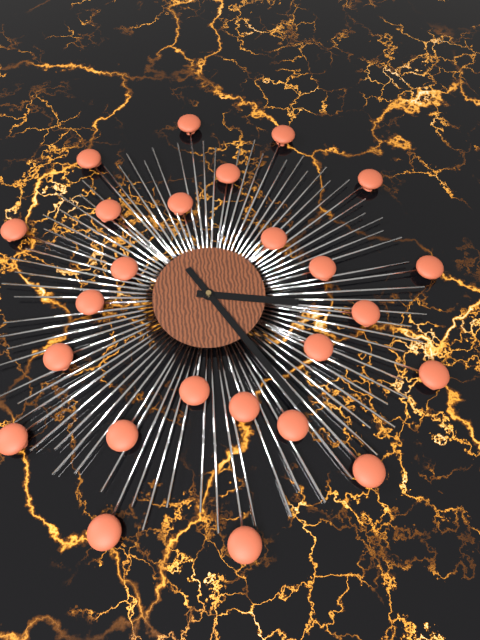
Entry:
3h25
